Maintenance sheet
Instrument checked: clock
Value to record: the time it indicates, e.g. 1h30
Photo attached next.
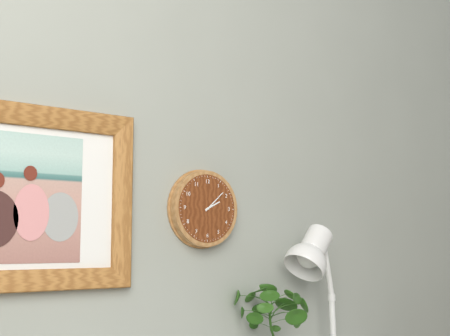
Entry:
2h08
